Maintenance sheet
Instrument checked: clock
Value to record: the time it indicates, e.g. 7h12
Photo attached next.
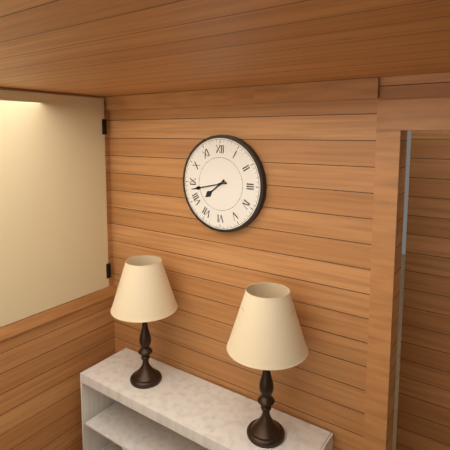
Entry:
7h43
